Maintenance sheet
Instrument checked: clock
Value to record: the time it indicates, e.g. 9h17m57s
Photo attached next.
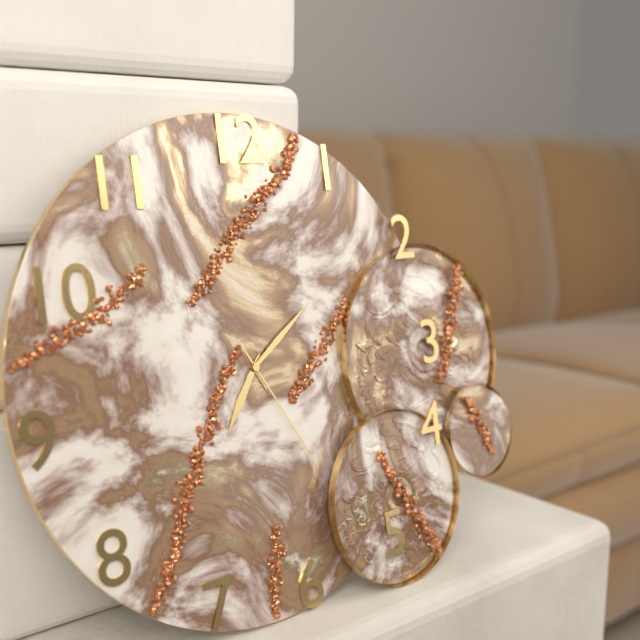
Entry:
7h09m25s
